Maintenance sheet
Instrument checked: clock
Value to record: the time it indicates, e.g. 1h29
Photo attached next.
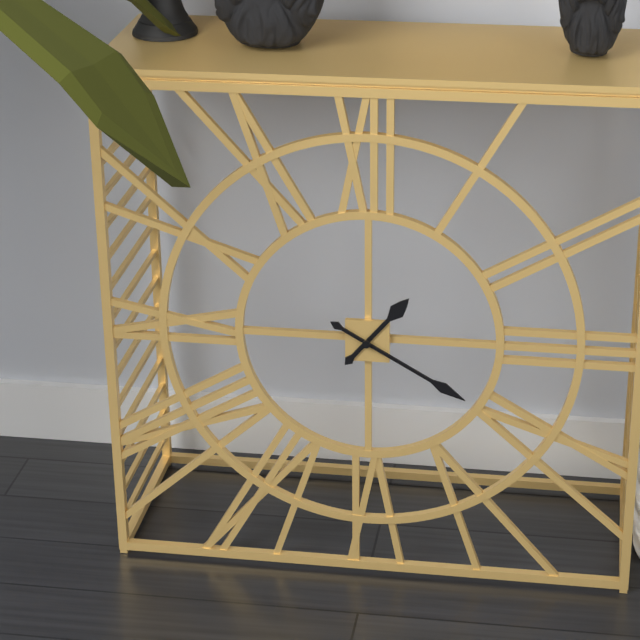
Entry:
1h20
